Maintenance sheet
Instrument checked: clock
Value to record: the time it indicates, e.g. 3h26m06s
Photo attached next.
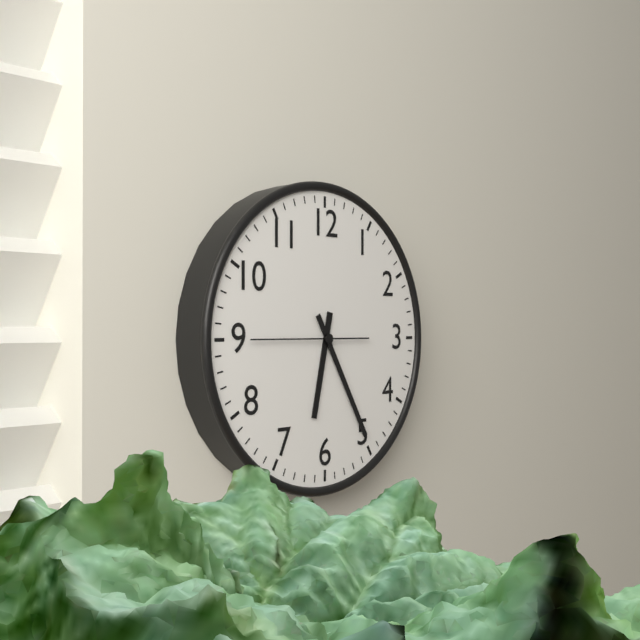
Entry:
6h25m45s
